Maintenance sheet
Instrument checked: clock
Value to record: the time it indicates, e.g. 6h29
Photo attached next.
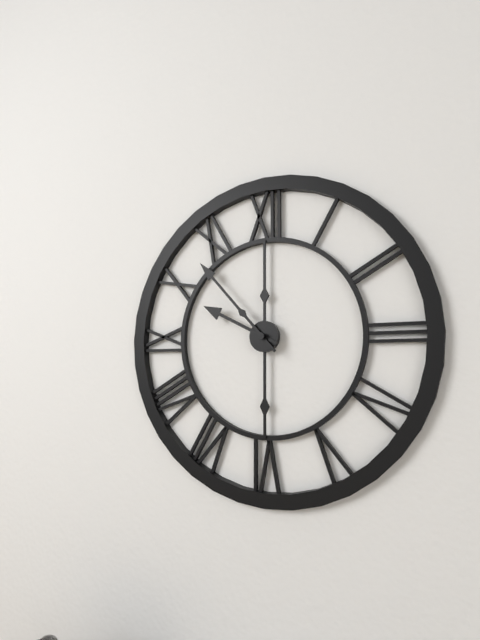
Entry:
9h53
